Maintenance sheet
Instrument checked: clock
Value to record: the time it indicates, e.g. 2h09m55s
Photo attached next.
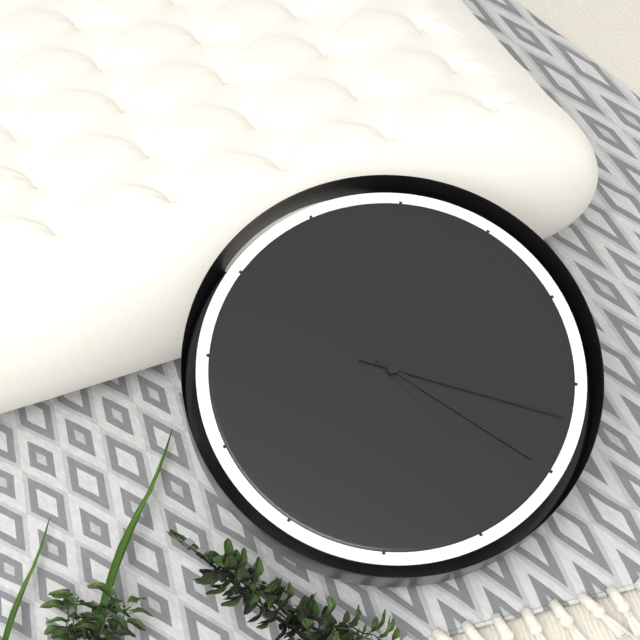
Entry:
5h25m22s
